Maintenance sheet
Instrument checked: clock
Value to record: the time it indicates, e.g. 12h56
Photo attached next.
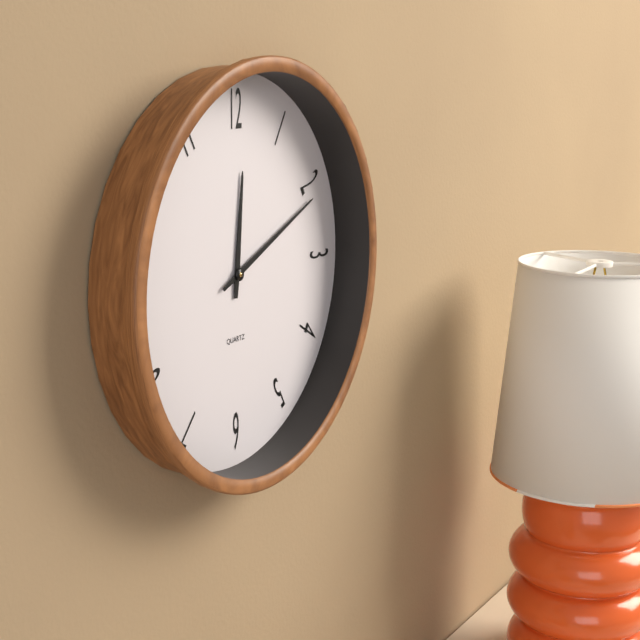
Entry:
12h11
